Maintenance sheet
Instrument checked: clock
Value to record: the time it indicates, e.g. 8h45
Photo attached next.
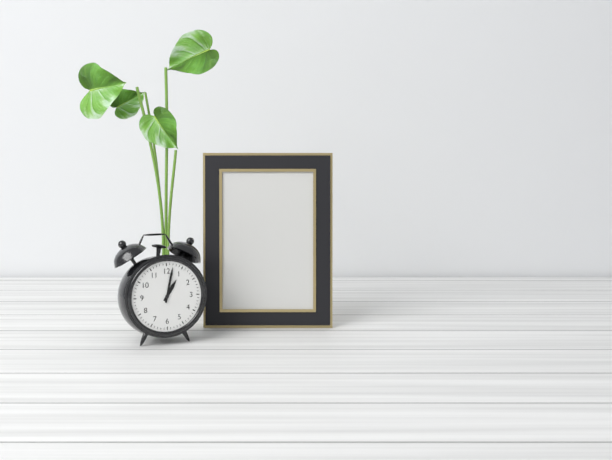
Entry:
1h02
